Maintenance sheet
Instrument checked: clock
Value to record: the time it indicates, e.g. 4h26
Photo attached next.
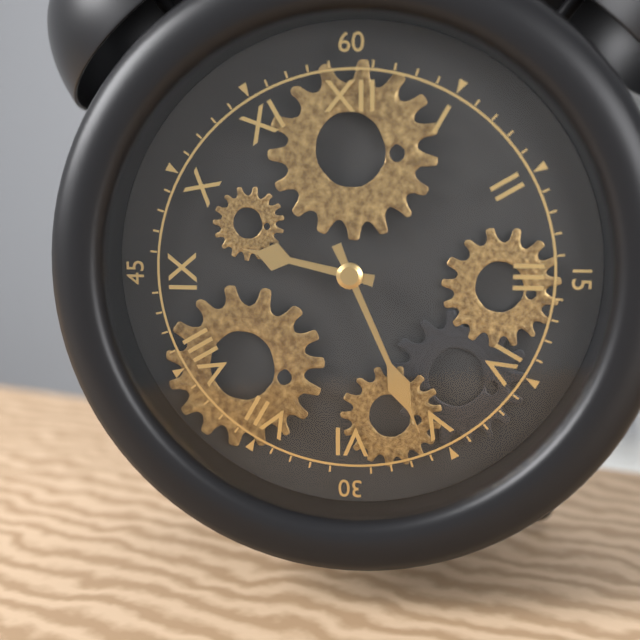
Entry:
9h26
